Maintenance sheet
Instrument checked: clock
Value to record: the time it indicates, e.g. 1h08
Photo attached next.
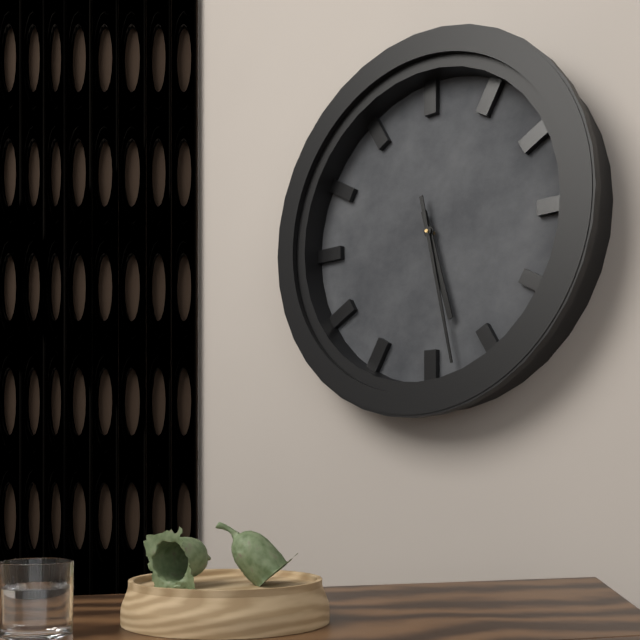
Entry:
5h28
